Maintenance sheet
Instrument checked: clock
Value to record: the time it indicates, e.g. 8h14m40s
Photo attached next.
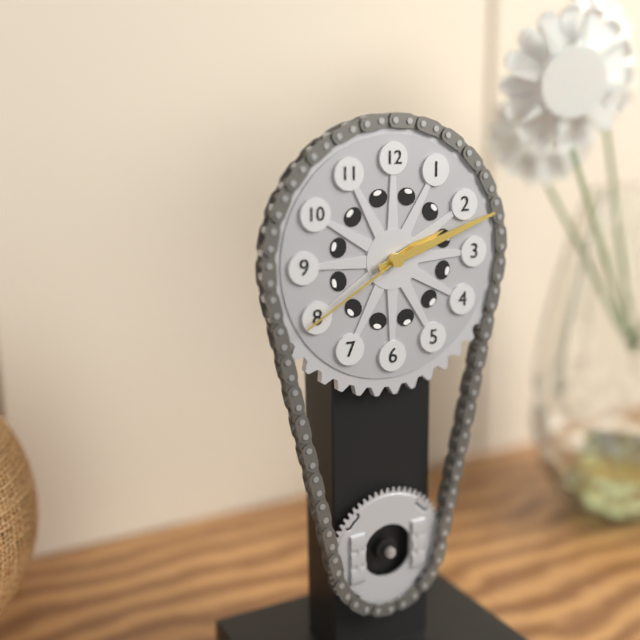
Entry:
2h12m40s
